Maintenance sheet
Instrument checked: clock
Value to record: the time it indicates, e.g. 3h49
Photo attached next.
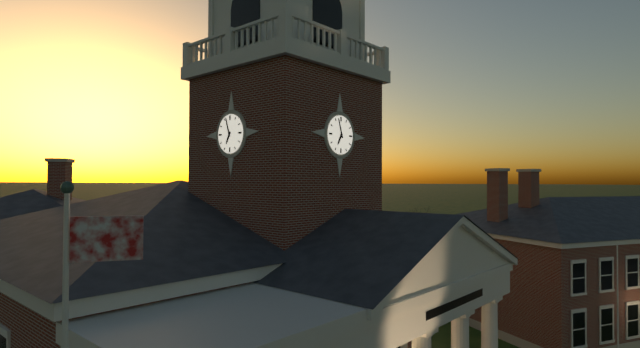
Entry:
6h57
